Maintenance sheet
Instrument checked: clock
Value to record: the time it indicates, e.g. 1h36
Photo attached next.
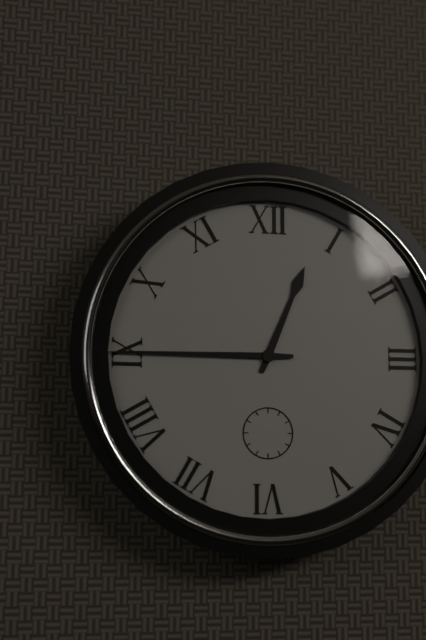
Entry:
12h45
